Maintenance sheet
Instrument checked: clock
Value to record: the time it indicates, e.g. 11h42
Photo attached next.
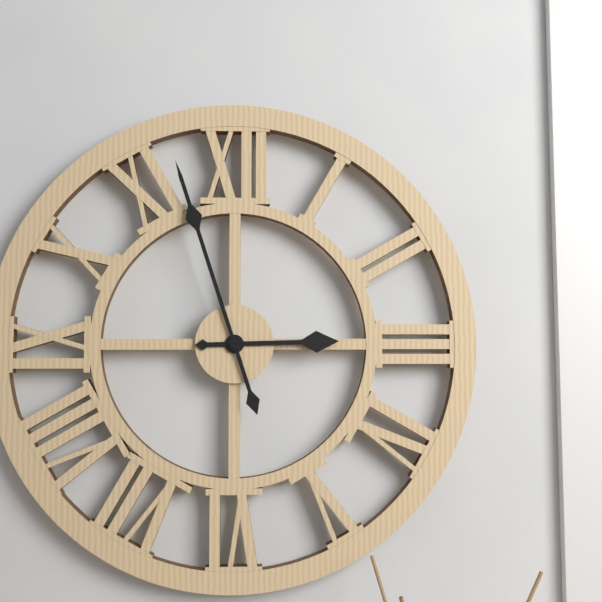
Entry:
2h57
